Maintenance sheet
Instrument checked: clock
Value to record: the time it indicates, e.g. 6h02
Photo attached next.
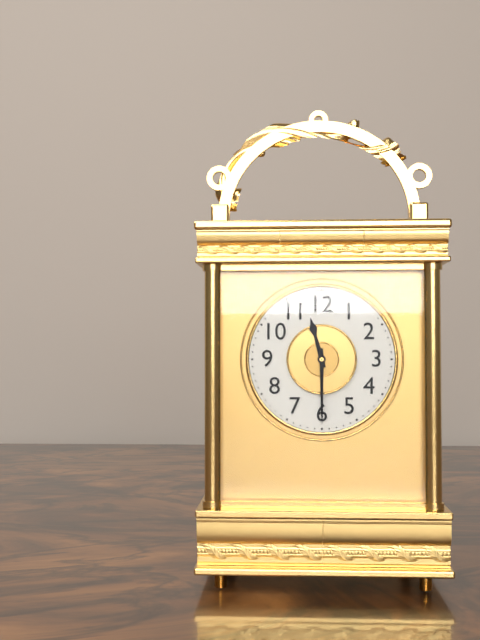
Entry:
11h30
